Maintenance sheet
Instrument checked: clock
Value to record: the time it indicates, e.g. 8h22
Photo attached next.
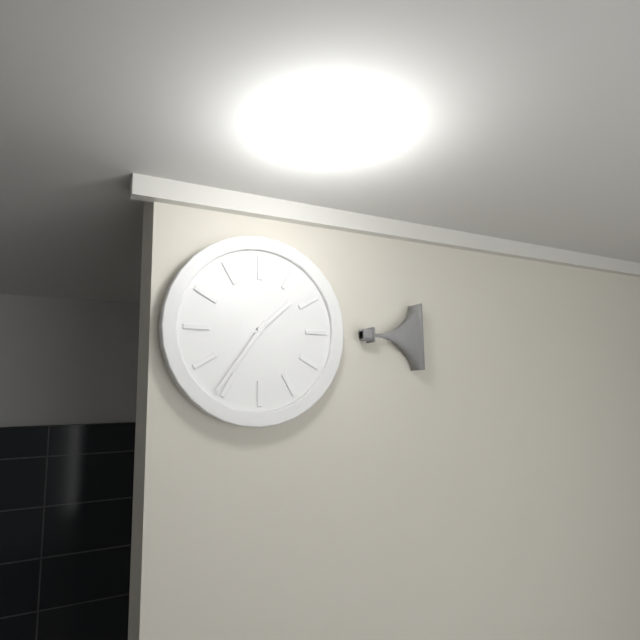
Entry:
1h36
